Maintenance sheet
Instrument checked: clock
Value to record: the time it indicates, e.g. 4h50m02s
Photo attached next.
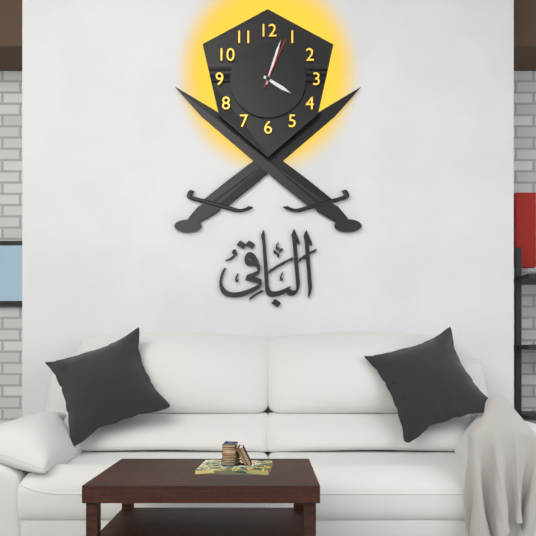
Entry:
4h03m04s
